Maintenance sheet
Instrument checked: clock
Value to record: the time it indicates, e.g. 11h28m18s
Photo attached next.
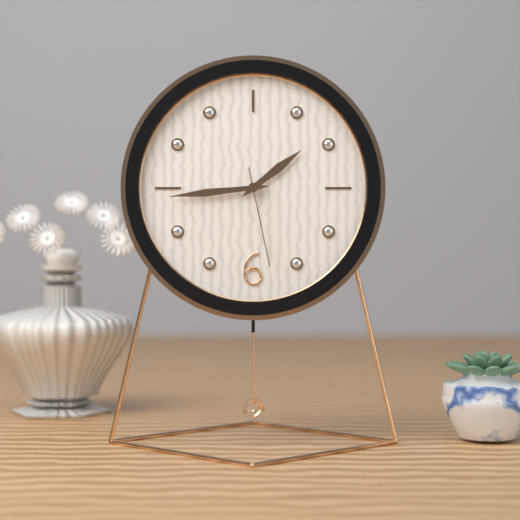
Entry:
1h44m28s
